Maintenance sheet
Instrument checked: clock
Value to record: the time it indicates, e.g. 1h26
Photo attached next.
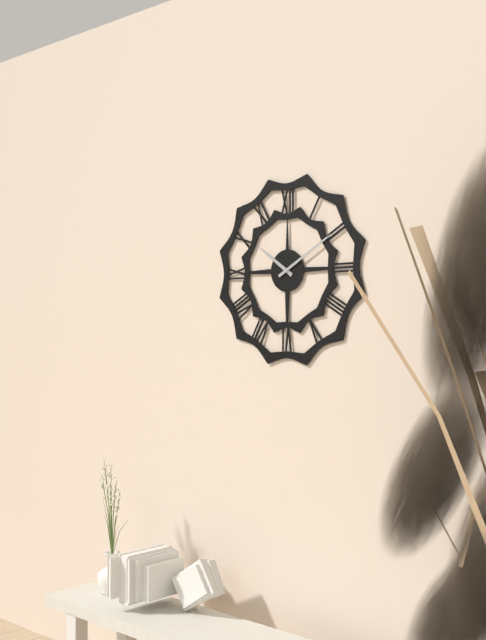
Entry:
10h10
